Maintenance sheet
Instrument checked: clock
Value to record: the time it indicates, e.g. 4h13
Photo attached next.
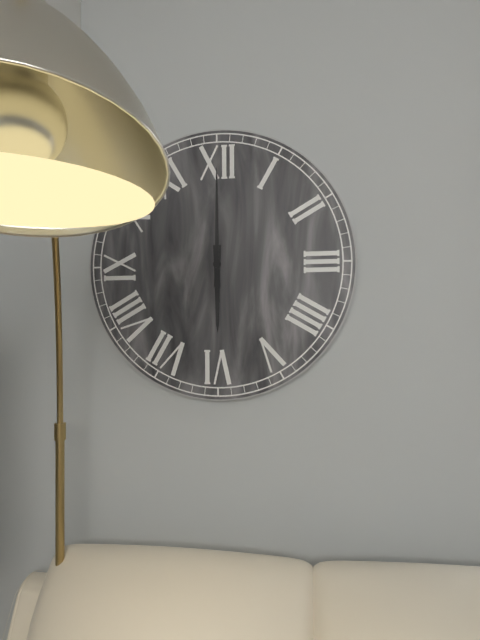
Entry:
6h00
